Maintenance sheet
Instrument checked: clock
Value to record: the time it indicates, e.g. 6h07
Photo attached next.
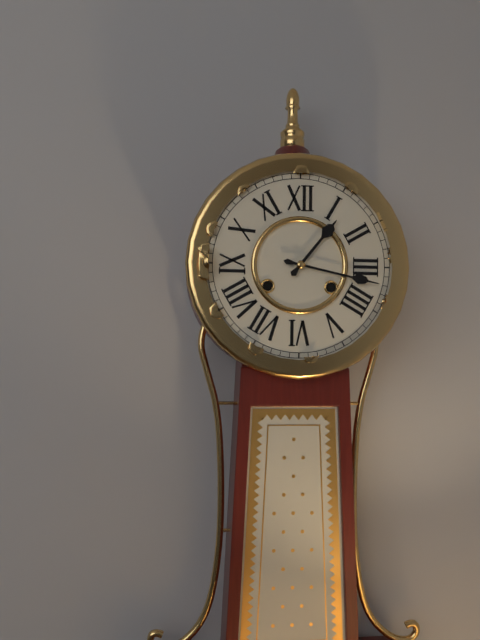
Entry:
1h17
